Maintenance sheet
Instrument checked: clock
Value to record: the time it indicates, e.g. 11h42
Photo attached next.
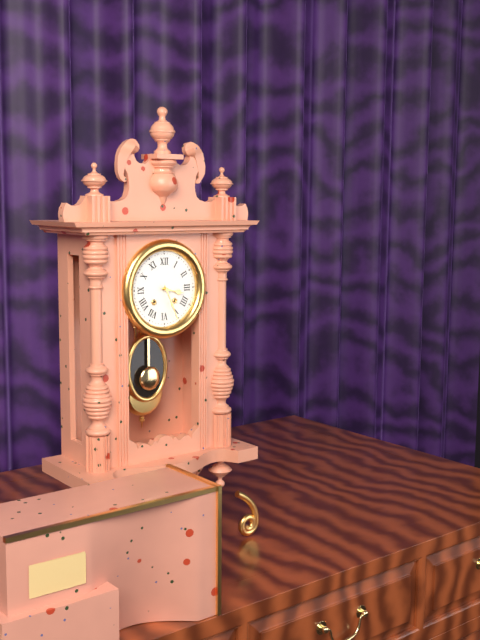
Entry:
3h26
